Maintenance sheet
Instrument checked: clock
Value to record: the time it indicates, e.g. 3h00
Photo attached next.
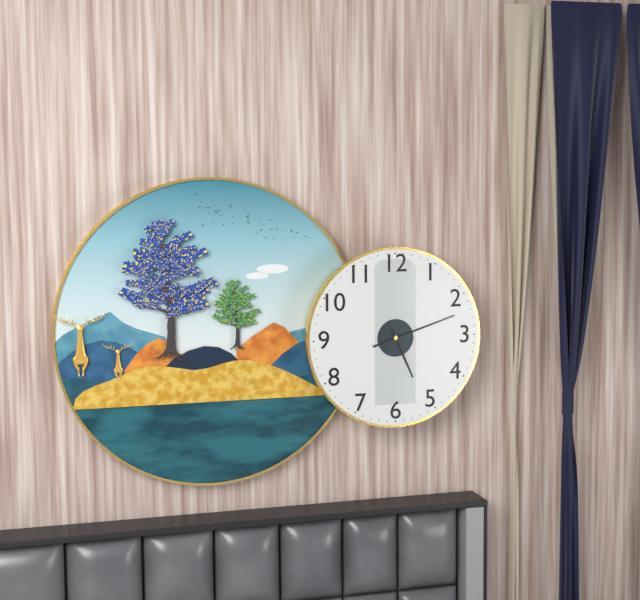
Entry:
5h12
